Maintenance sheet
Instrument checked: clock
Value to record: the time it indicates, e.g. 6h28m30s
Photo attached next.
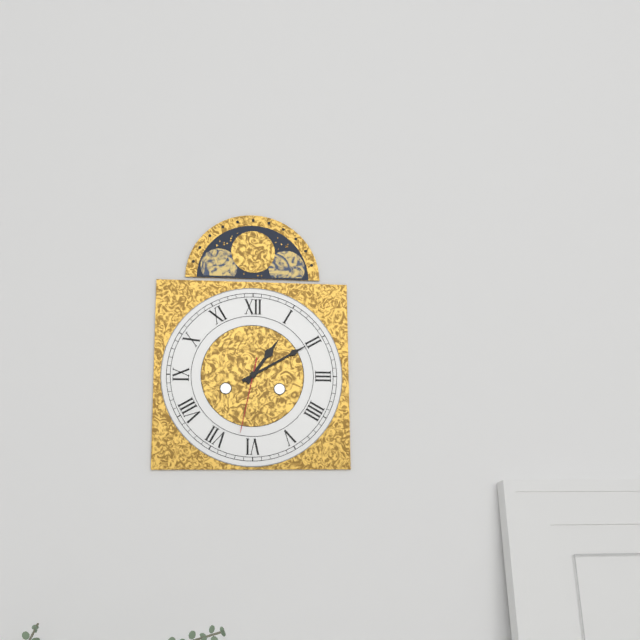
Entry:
1h10m32s
